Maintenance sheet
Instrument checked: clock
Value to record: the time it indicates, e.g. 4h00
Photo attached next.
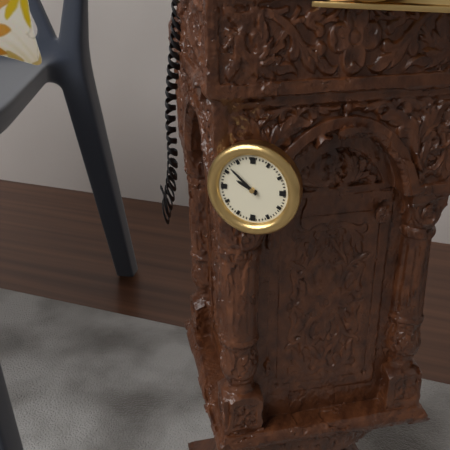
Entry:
9h52
